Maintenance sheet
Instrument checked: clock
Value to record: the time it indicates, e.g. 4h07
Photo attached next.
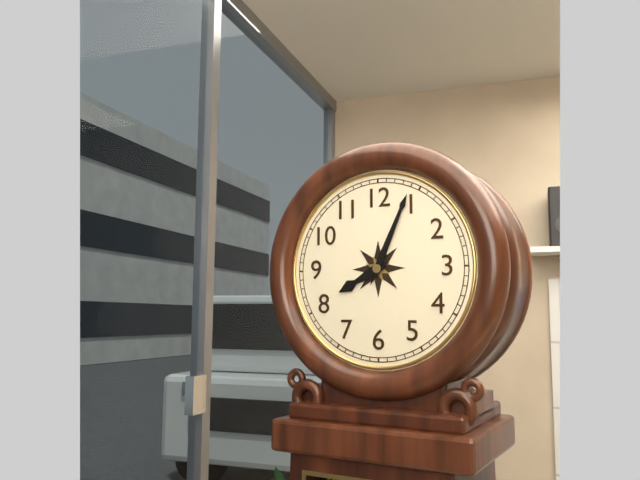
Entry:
8h04
